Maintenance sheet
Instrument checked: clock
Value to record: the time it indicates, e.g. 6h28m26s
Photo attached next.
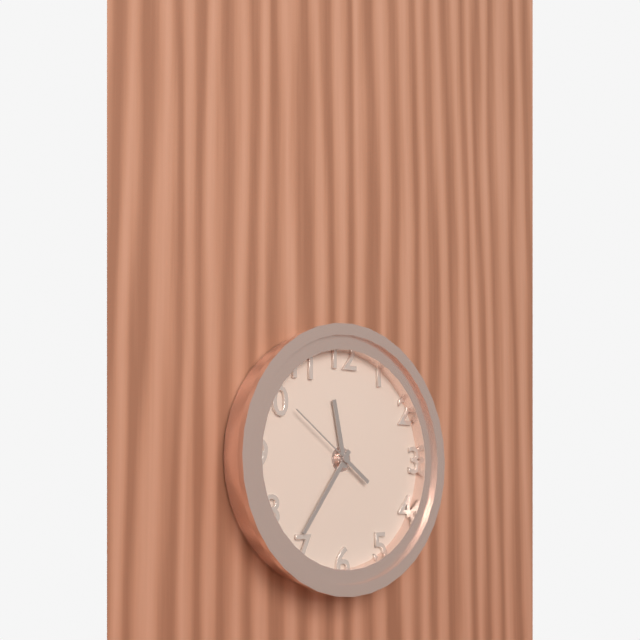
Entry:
11h36m51s
